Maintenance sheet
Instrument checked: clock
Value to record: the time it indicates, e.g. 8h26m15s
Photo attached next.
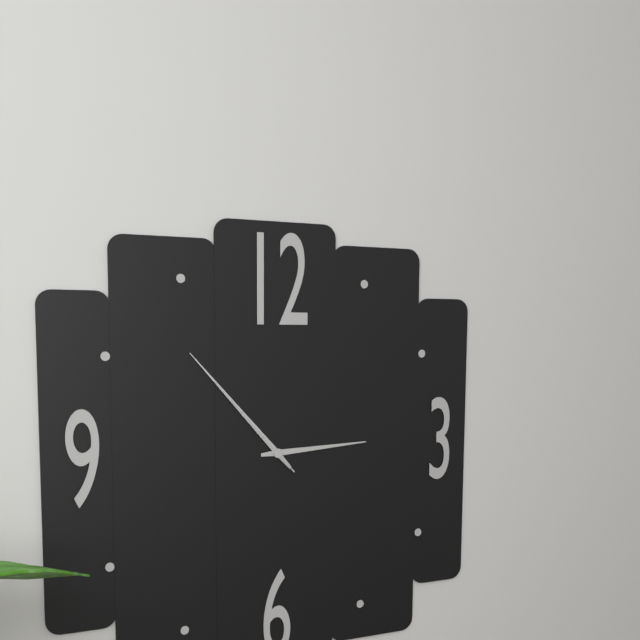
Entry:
2h53m53s
